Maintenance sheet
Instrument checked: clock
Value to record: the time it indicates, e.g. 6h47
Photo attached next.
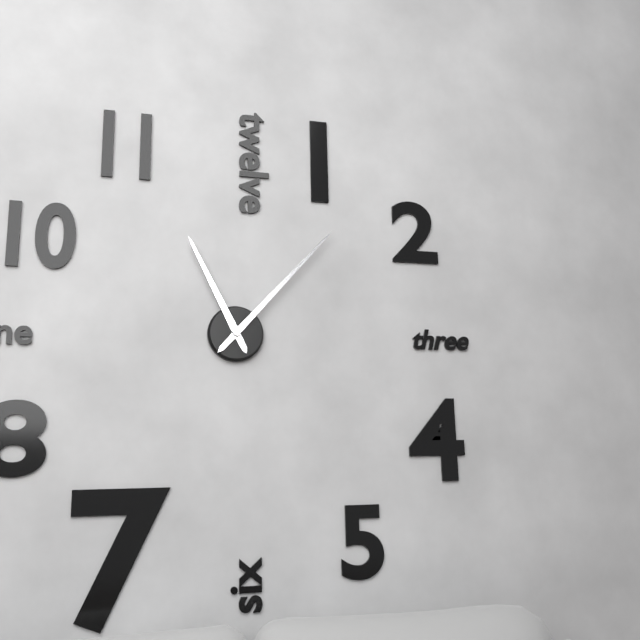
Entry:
11h07
